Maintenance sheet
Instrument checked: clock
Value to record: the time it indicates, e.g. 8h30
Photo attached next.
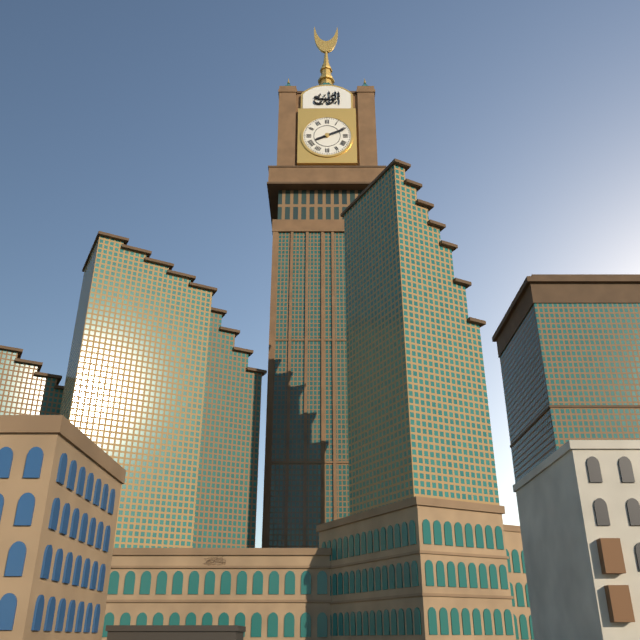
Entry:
8h11
